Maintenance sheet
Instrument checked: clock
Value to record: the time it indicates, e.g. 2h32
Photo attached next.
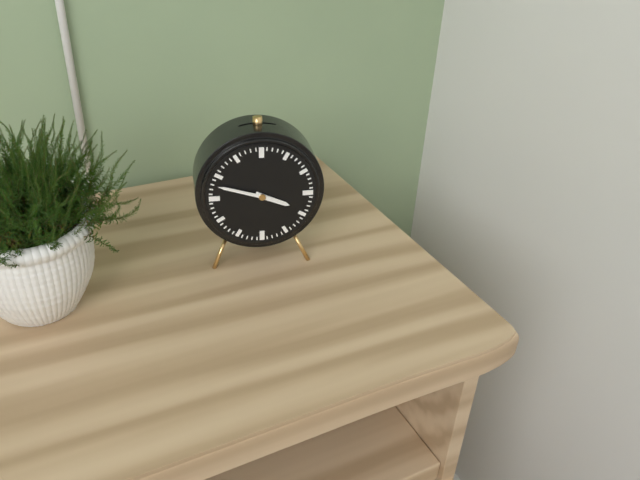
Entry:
3h48
